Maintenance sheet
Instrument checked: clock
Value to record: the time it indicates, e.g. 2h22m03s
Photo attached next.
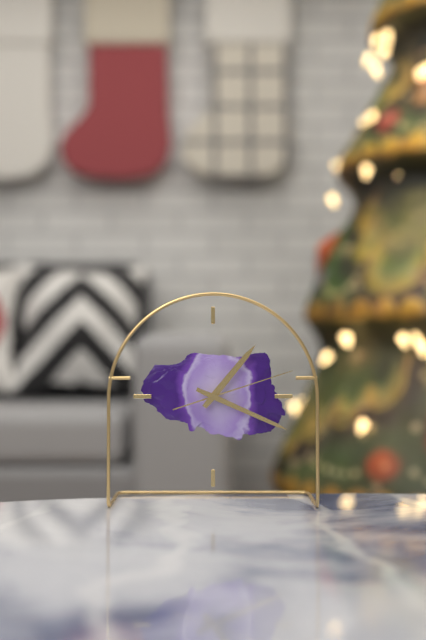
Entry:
1h19m12s
